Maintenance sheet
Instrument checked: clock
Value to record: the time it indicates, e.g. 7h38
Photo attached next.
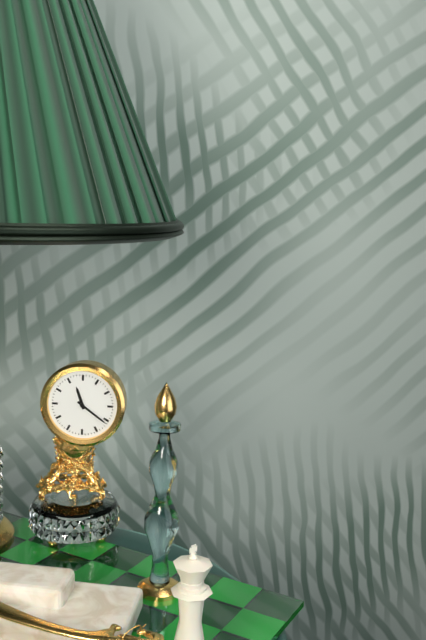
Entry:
11h21
